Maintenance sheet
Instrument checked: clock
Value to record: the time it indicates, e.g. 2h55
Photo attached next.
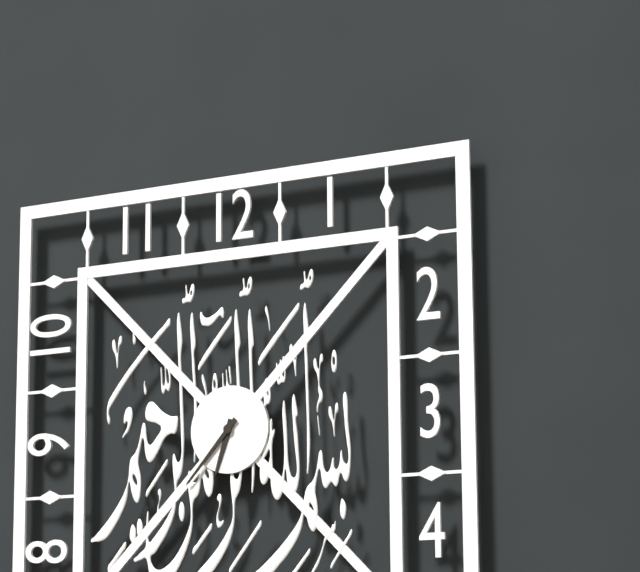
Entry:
6h37
